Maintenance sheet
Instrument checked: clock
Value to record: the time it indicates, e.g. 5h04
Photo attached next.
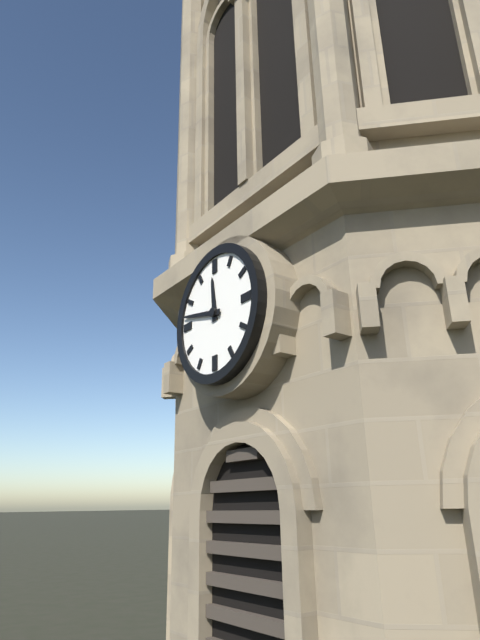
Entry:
11h47
